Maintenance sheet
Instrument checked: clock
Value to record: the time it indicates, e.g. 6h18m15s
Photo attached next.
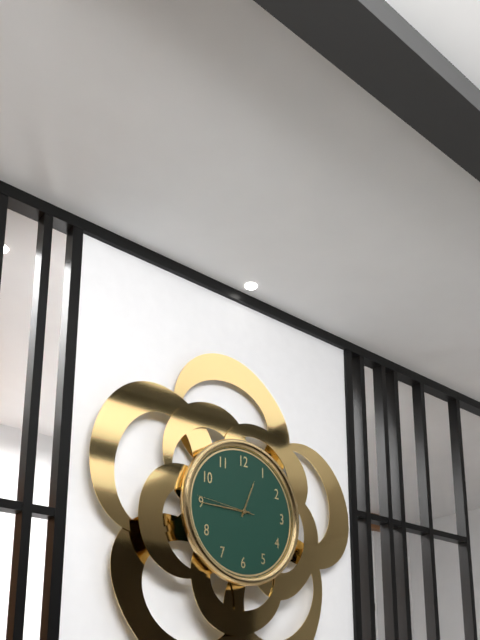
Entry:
12h45m46s
